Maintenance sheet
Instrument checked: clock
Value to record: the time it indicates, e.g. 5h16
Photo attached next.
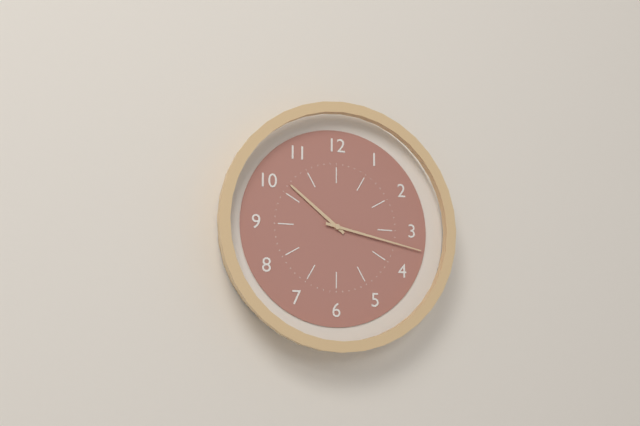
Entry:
10h17
